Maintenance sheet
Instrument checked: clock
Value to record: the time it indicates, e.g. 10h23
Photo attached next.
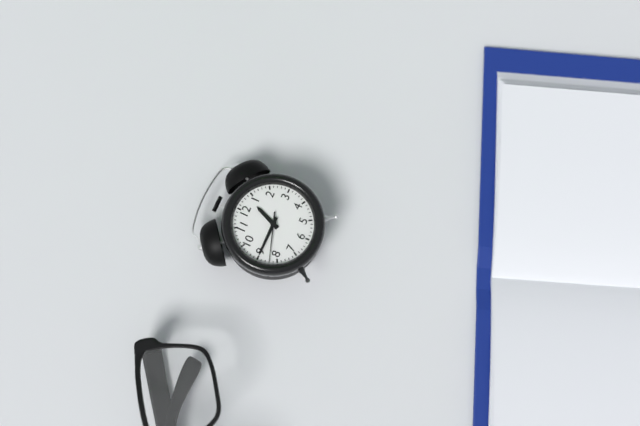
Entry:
12h45
